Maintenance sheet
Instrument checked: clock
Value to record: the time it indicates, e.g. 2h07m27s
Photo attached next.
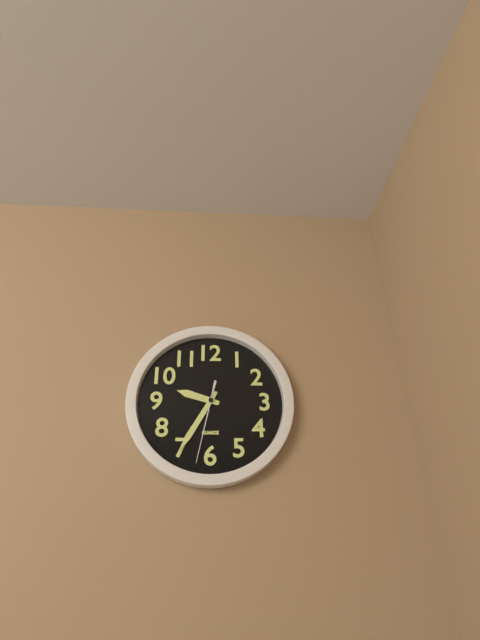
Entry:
9h35m32s
